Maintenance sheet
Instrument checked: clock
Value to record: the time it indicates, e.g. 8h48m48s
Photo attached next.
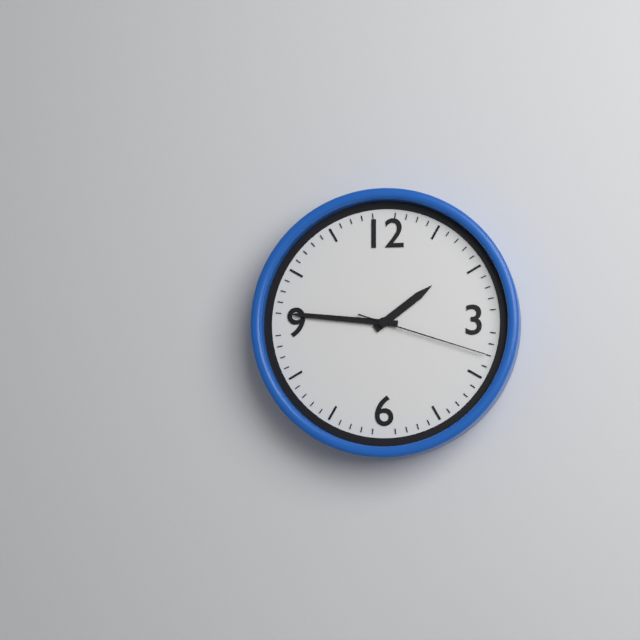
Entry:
1h46m18s
